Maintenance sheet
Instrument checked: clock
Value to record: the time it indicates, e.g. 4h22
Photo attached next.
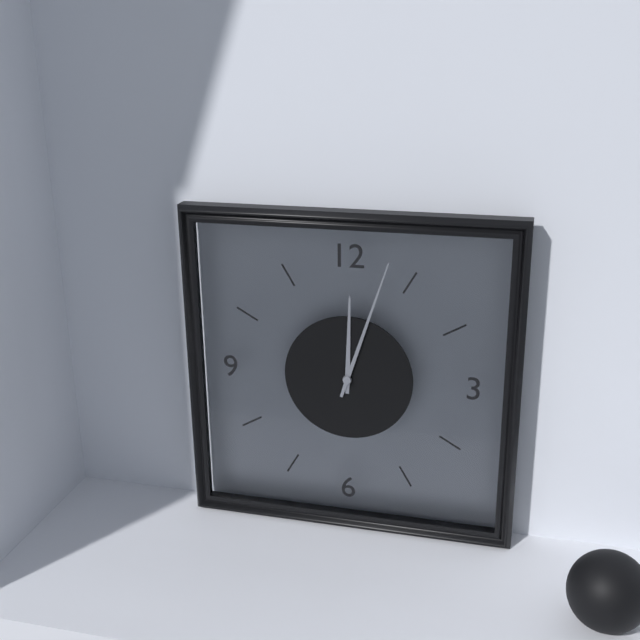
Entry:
12h03
